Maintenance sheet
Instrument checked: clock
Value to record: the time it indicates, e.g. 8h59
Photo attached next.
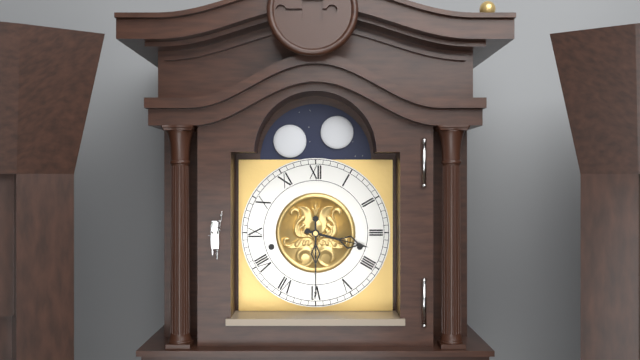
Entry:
3h30
